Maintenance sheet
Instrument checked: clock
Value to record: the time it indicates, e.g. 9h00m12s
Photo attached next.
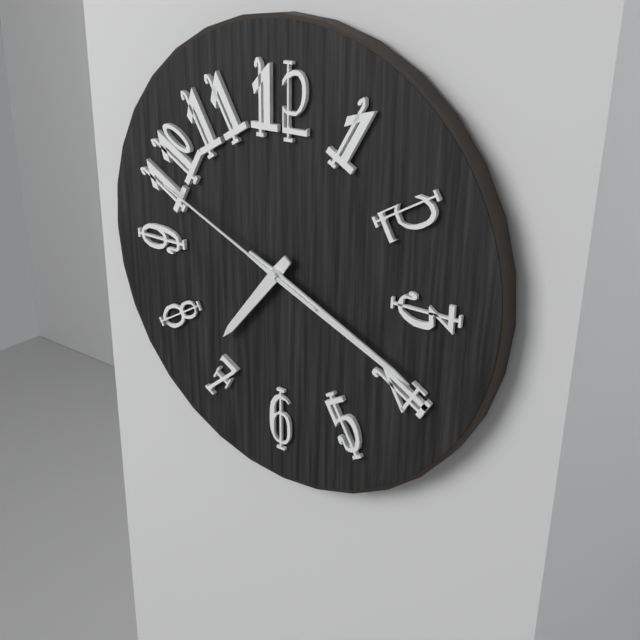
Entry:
7h19m49s
